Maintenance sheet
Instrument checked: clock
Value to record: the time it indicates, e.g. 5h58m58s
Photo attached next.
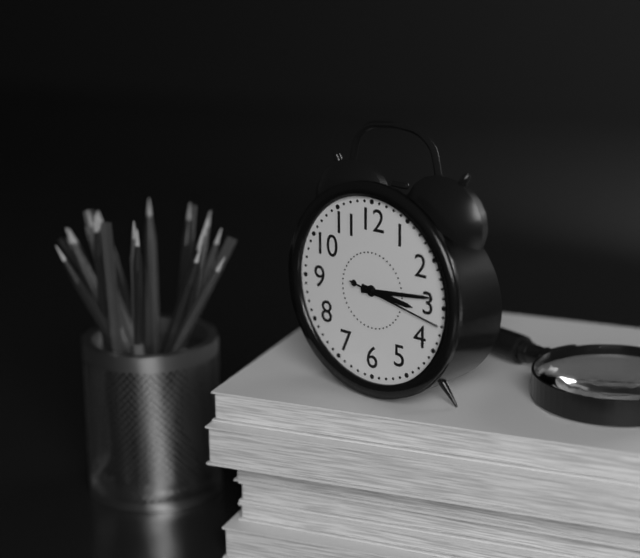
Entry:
3h14m17s
